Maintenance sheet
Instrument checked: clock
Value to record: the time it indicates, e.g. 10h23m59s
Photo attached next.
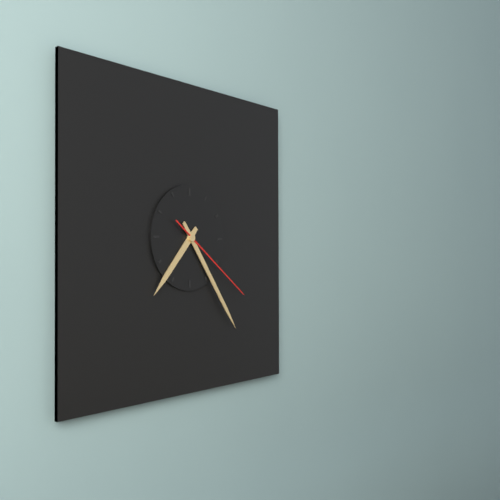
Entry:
7h24m21s
